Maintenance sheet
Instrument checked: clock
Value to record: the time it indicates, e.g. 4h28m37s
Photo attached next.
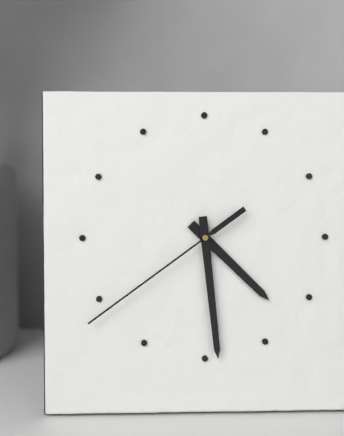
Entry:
4h29m39s
